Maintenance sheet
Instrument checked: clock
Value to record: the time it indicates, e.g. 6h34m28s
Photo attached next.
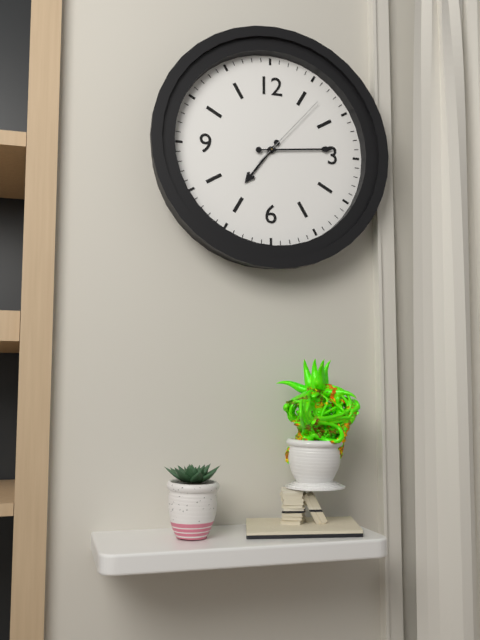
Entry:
7h14m07s
